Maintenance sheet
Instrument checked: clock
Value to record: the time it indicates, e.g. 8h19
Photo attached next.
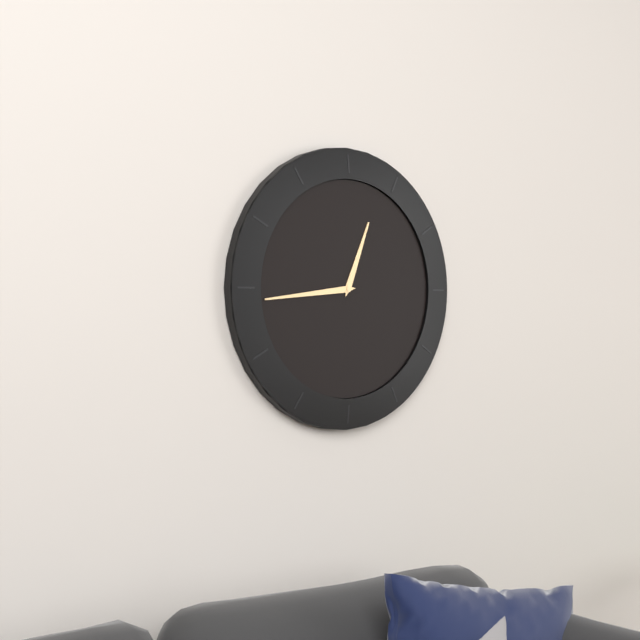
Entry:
12h44
